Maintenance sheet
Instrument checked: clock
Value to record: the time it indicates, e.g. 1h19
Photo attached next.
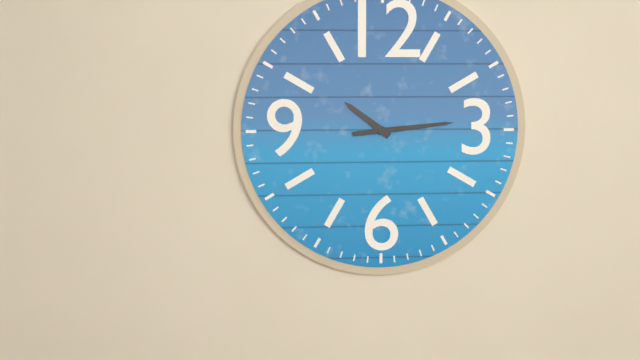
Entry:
10h14
